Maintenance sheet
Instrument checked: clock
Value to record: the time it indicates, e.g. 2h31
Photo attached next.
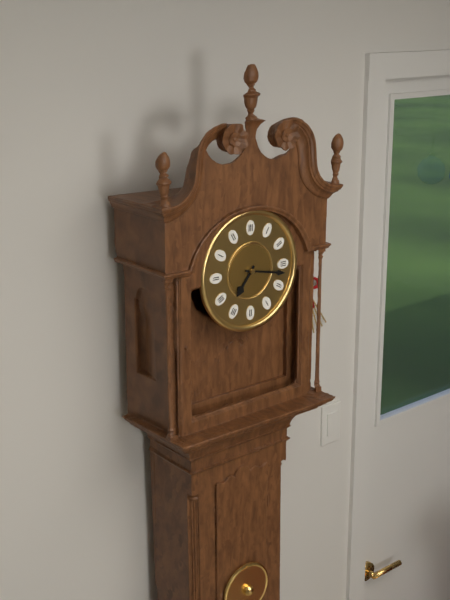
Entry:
7h17
